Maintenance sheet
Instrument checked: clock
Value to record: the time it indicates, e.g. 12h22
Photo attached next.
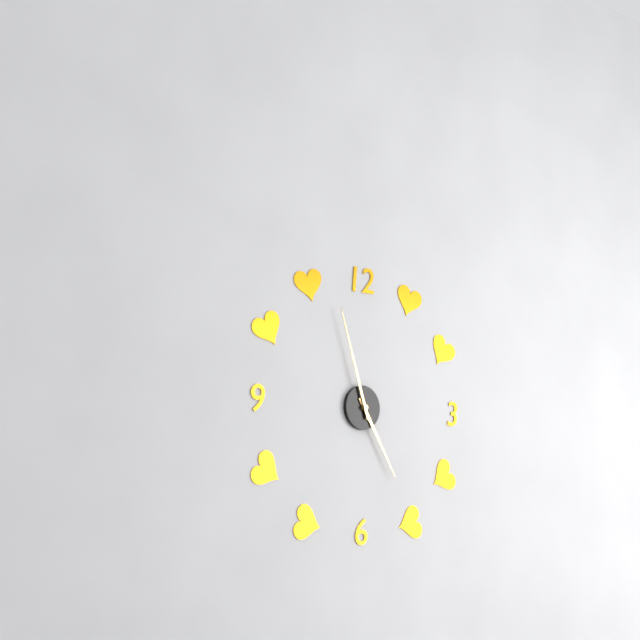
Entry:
4h57
